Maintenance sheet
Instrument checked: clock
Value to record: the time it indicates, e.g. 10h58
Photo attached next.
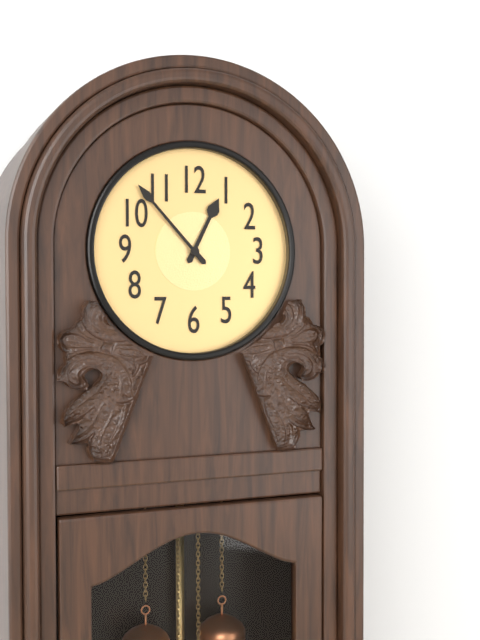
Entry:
12h53
